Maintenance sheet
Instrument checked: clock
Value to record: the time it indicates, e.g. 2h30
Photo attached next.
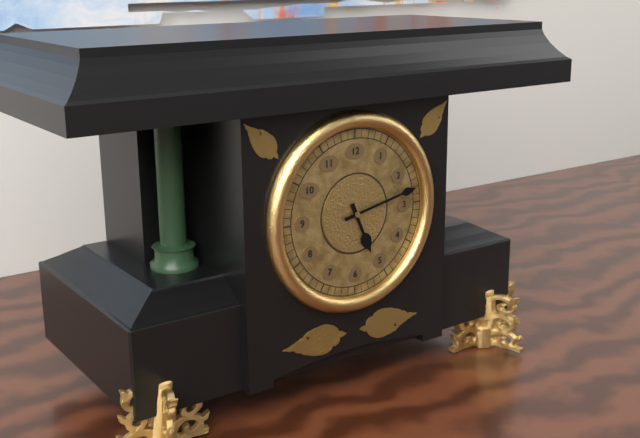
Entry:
5h13
